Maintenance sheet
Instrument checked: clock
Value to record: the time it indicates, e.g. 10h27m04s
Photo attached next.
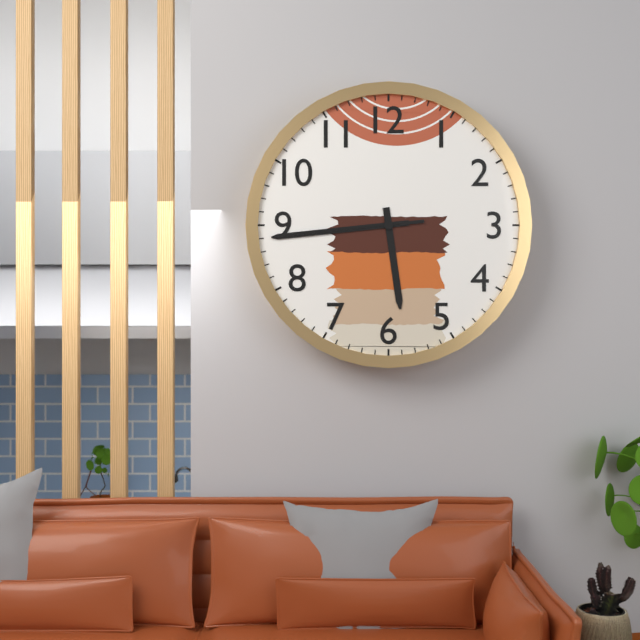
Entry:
5h44m44s
